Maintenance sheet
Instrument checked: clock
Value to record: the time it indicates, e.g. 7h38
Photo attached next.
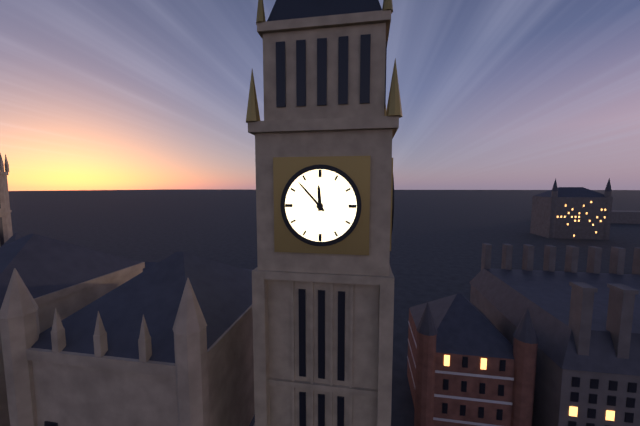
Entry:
11h53
